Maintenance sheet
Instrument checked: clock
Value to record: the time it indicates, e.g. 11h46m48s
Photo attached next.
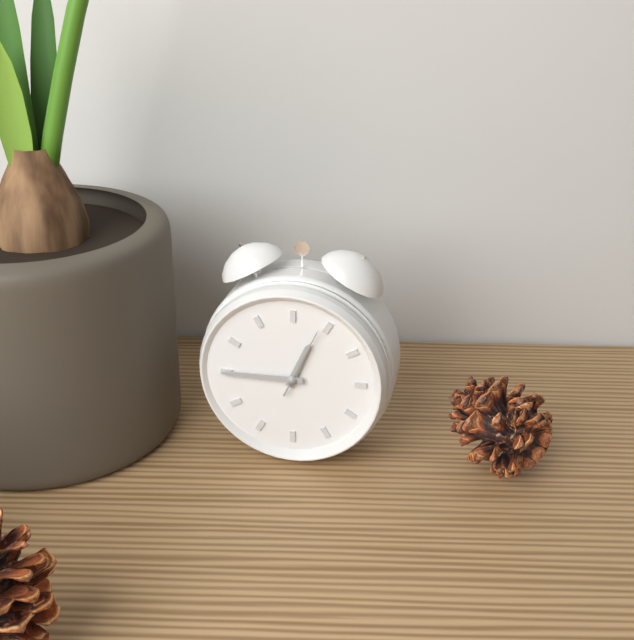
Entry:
12h45m04s
